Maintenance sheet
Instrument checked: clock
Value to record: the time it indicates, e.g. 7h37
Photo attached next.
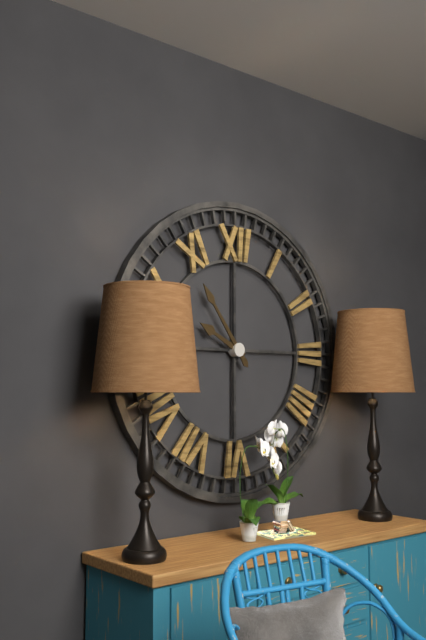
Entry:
9h54
